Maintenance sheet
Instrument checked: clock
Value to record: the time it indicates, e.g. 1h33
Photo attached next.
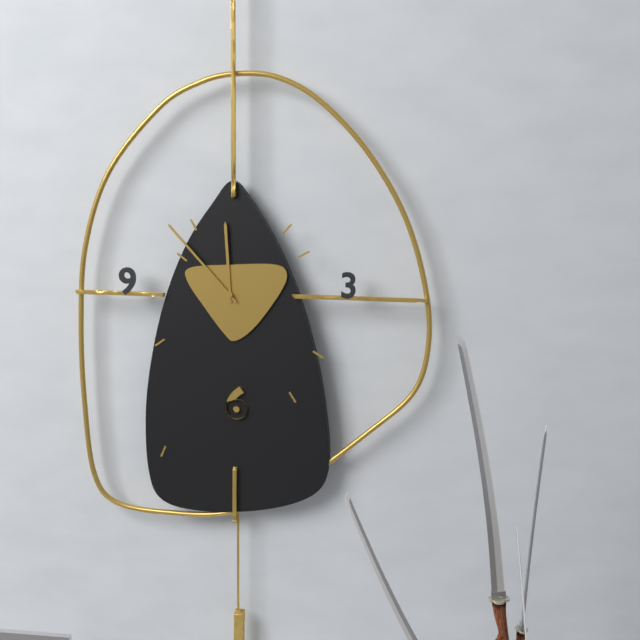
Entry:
11h53
